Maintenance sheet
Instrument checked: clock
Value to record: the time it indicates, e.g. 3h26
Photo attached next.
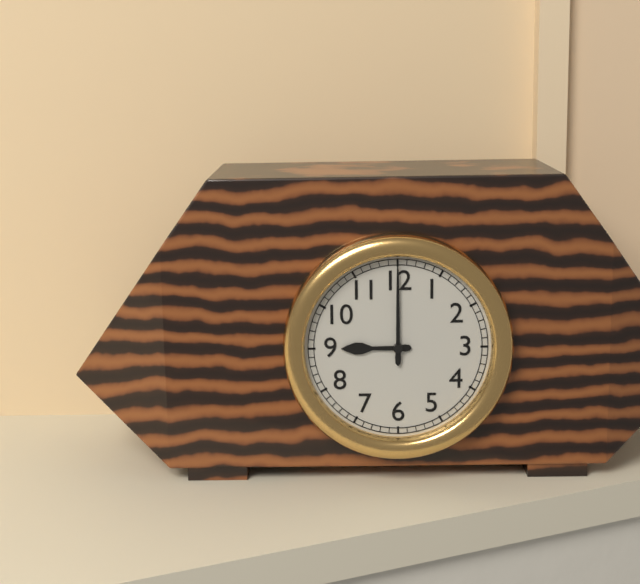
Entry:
9h00
